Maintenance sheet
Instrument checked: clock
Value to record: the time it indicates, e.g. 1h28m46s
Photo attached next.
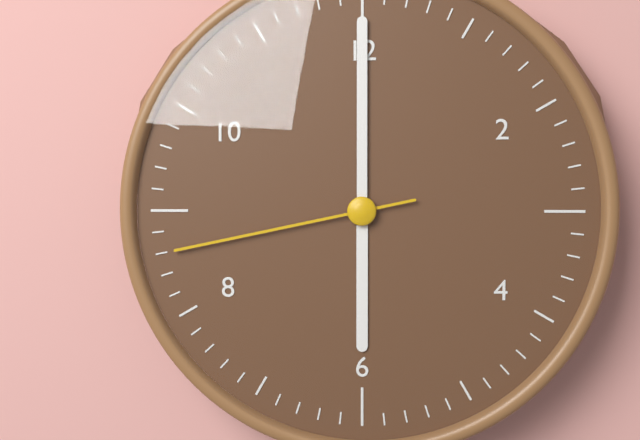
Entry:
6h00m43s
